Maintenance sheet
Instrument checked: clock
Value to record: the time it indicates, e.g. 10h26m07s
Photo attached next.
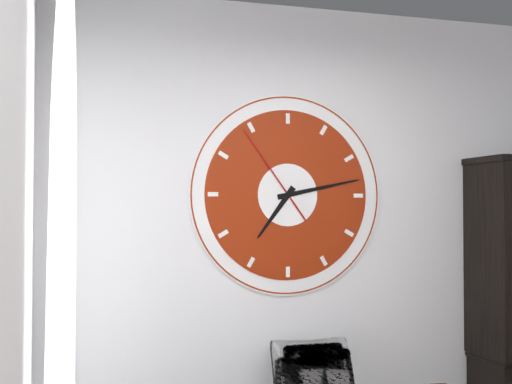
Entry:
7h13m54s
